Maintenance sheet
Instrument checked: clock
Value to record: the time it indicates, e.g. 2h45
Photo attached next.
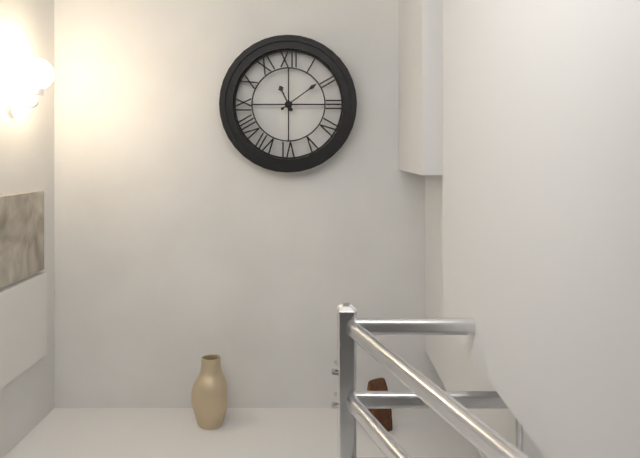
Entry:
11h09
